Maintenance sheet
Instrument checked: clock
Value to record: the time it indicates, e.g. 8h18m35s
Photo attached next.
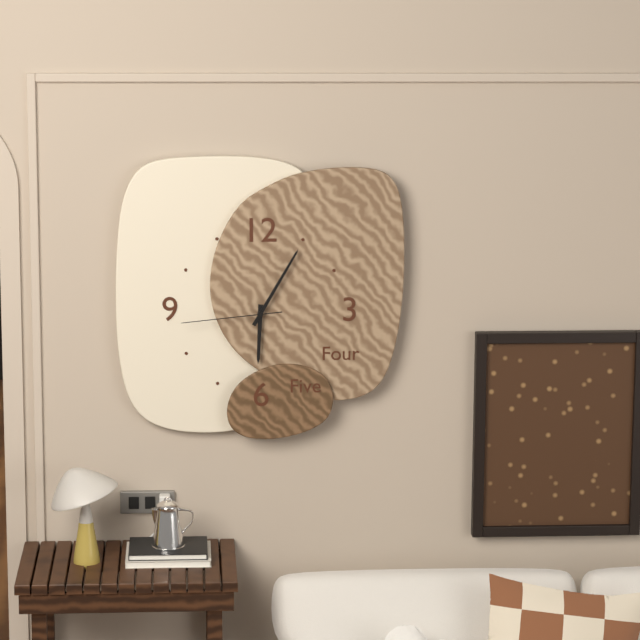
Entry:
6h05m44s
